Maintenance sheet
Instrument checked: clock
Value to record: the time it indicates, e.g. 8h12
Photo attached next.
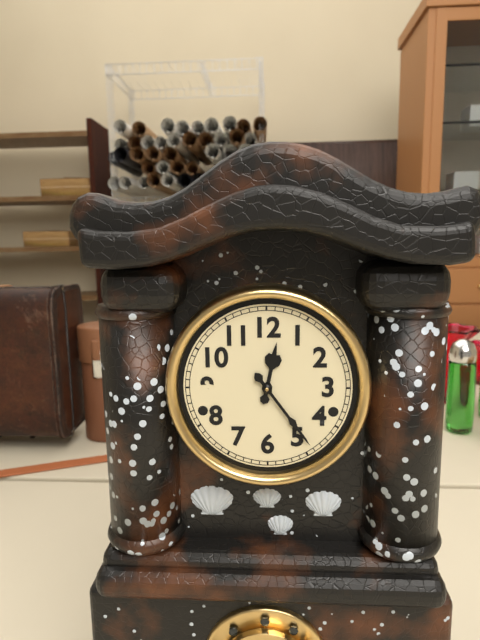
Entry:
12h24
